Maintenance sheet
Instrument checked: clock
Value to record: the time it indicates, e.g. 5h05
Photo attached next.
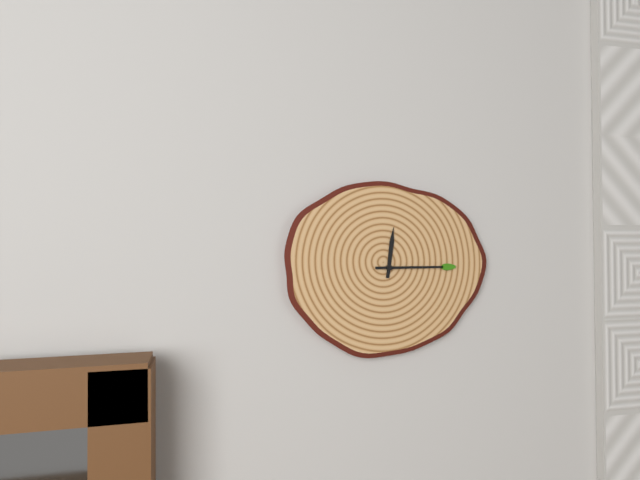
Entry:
12h15
